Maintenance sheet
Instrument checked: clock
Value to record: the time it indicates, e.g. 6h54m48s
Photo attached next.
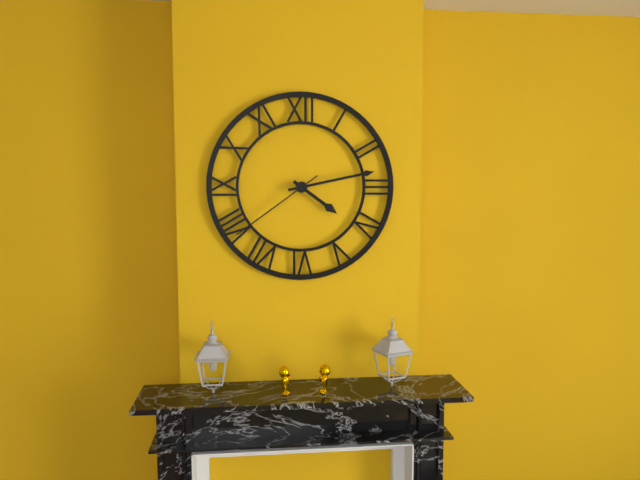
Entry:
4h13m39s
